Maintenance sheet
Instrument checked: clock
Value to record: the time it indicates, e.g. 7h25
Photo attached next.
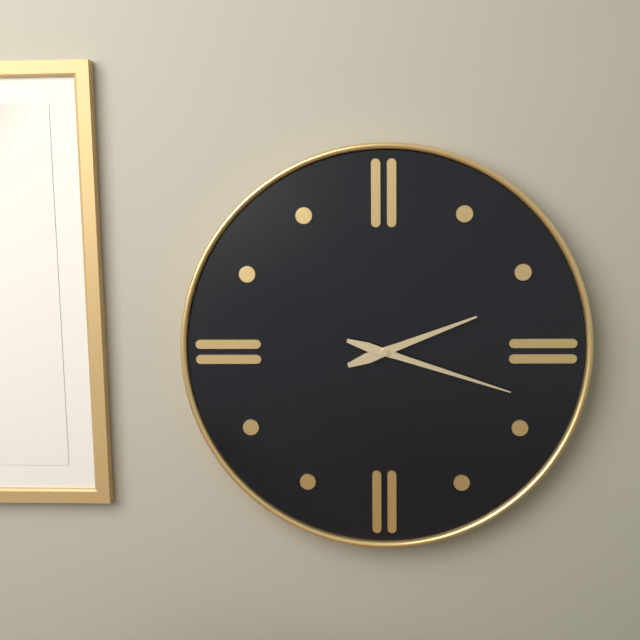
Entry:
2h18
